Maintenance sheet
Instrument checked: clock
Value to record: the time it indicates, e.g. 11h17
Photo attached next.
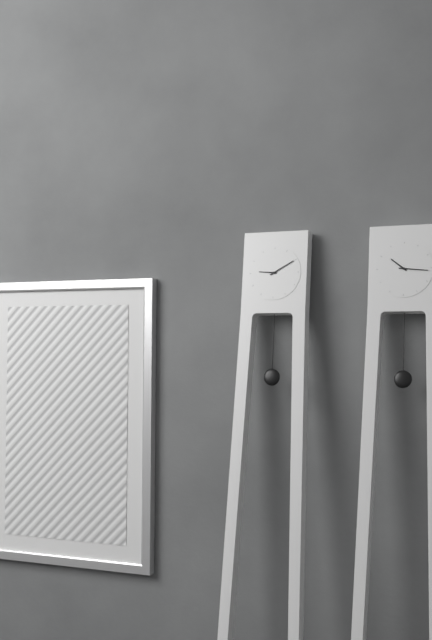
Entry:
9h10
